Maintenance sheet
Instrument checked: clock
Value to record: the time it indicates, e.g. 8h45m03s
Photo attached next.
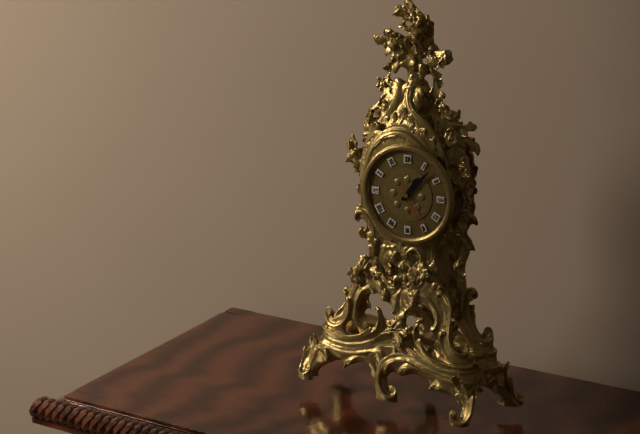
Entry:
1h07m25s
